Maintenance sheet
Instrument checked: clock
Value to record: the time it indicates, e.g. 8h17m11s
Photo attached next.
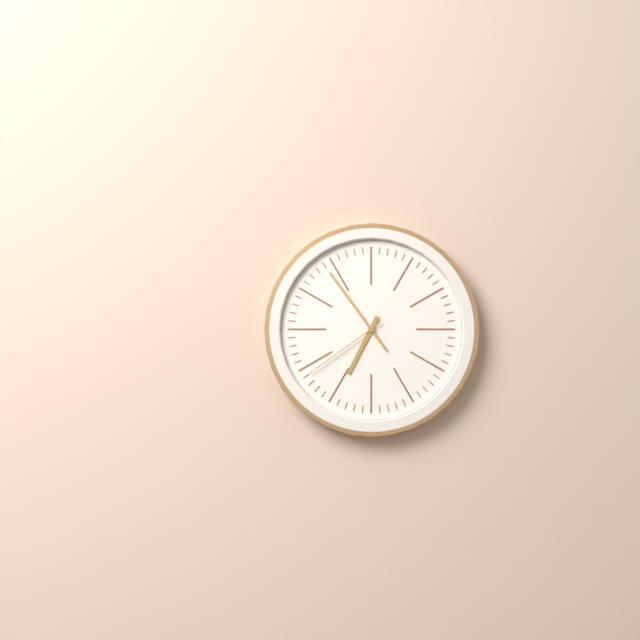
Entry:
6h54m39s
